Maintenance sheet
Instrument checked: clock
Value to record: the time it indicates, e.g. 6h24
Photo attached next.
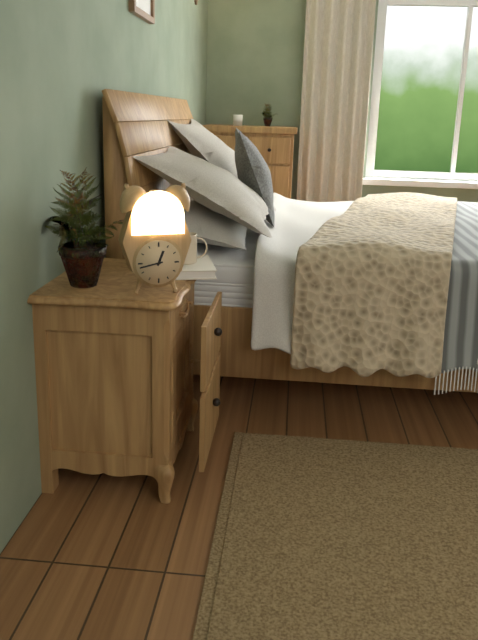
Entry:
12h43
